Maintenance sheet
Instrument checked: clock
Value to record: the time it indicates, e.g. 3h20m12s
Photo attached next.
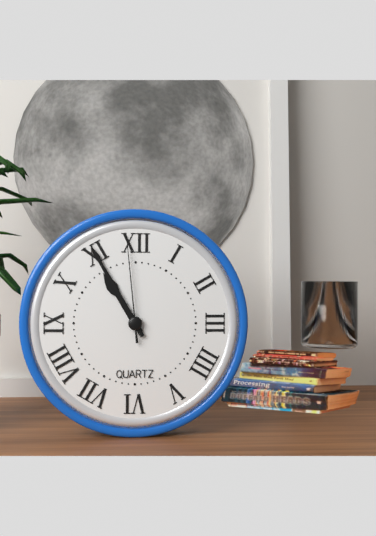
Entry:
10h55m59s
